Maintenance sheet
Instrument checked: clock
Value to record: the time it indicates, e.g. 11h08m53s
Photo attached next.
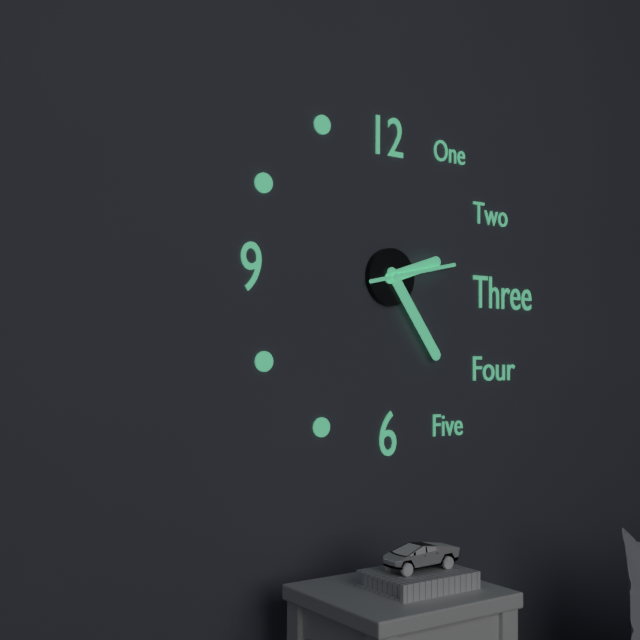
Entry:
2h24m13s
